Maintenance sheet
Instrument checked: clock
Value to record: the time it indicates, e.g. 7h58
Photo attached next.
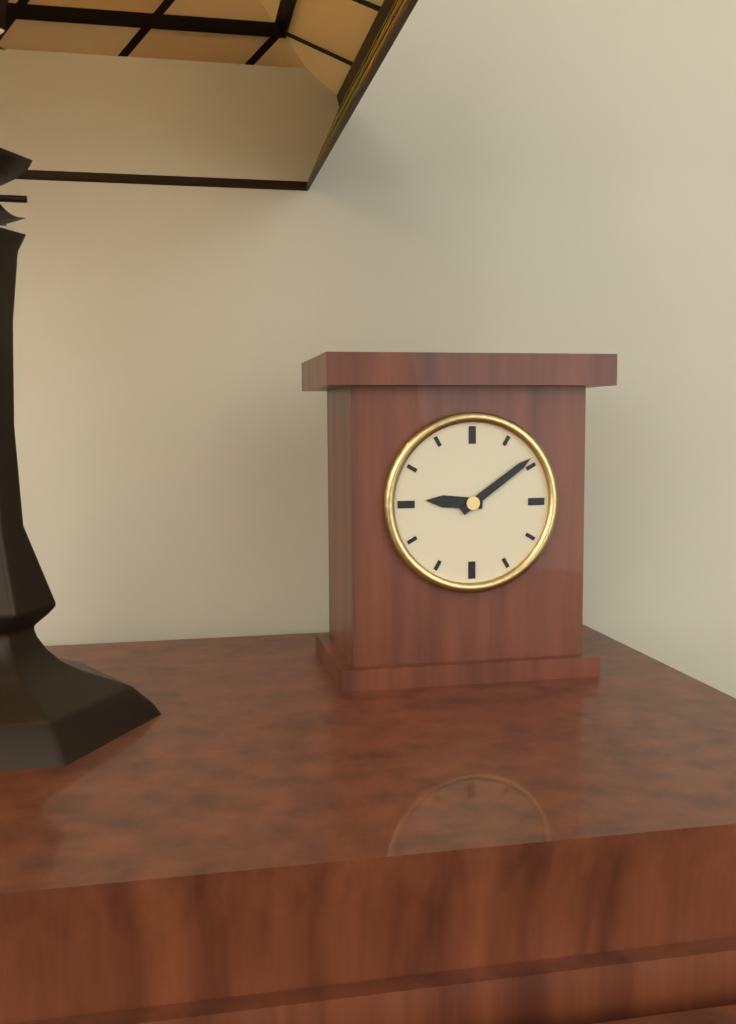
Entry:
9h09
